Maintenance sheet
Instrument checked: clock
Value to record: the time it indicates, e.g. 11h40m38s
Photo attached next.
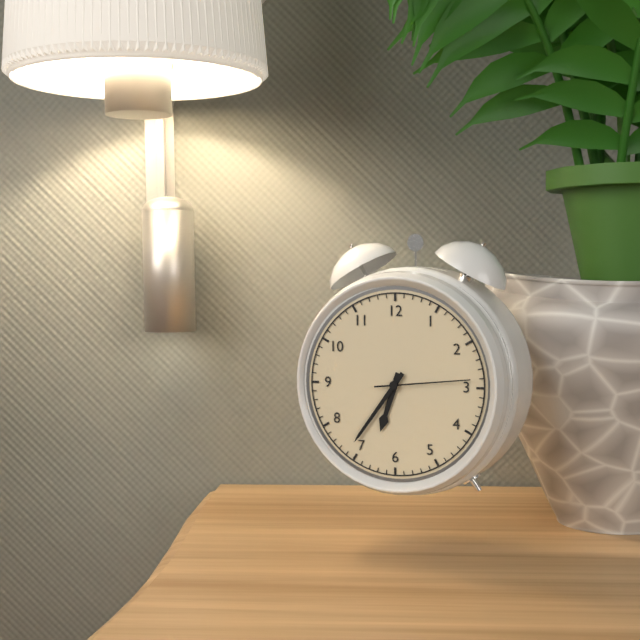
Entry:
6h36m14s
